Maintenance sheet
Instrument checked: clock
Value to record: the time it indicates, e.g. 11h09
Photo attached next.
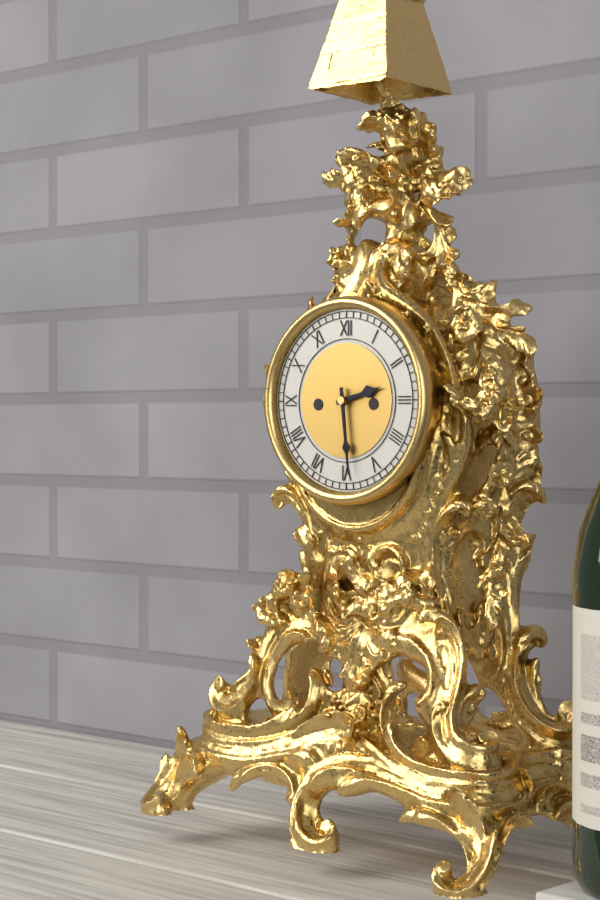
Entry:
2h29
